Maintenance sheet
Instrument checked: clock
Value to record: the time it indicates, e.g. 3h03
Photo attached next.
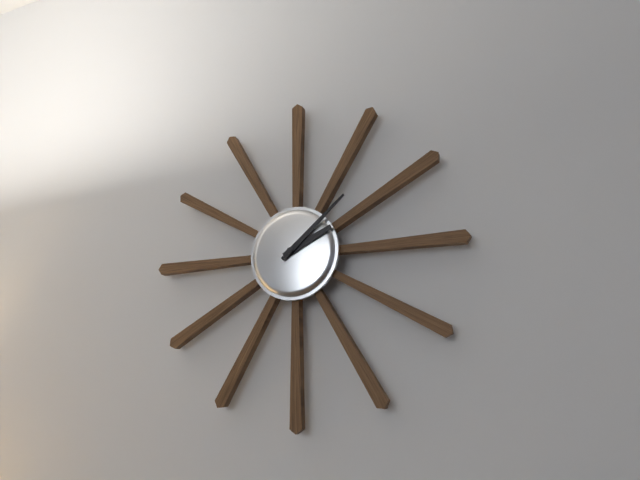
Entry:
2h08
